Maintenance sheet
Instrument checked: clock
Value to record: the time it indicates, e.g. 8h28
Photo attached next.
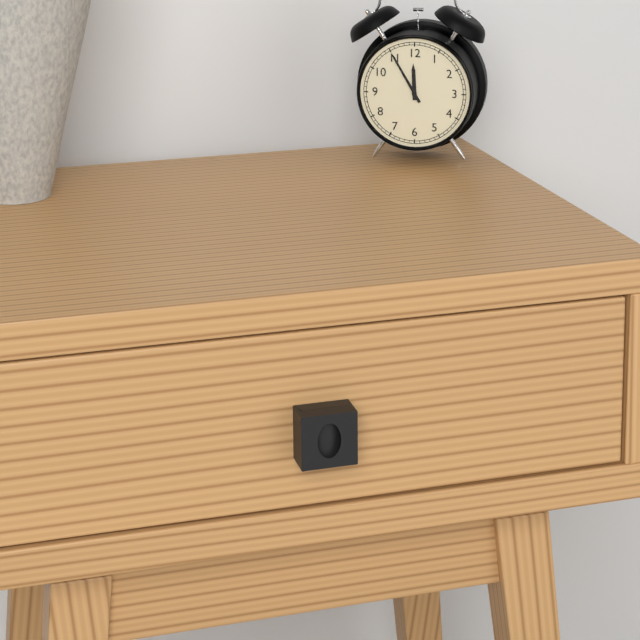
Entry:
11h55
